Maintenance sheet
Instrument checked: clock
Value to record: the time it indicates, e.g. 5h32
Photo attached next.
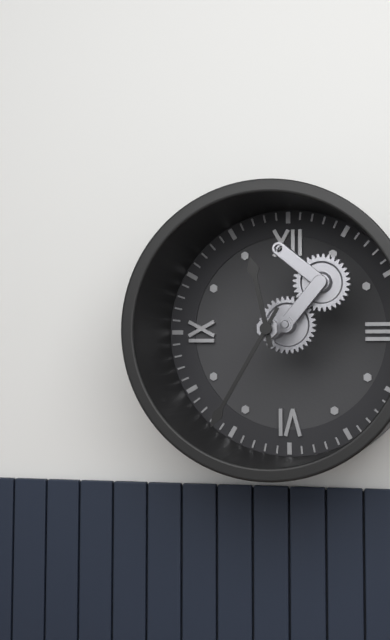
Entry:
11h35
